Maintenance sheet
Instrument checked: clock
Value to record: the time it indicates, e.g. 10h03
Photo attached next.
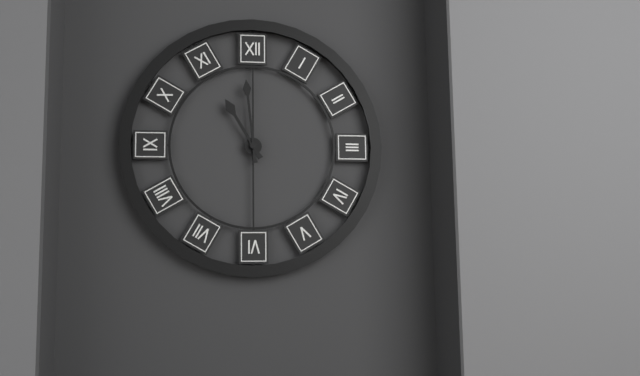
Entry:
10h59
